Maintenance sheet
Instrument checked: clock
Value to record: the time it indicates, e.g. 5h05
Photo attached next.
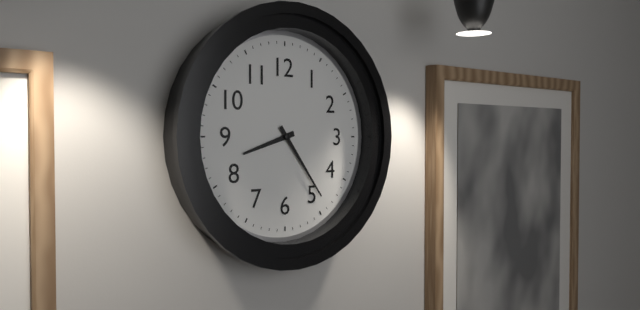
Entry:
8h24
